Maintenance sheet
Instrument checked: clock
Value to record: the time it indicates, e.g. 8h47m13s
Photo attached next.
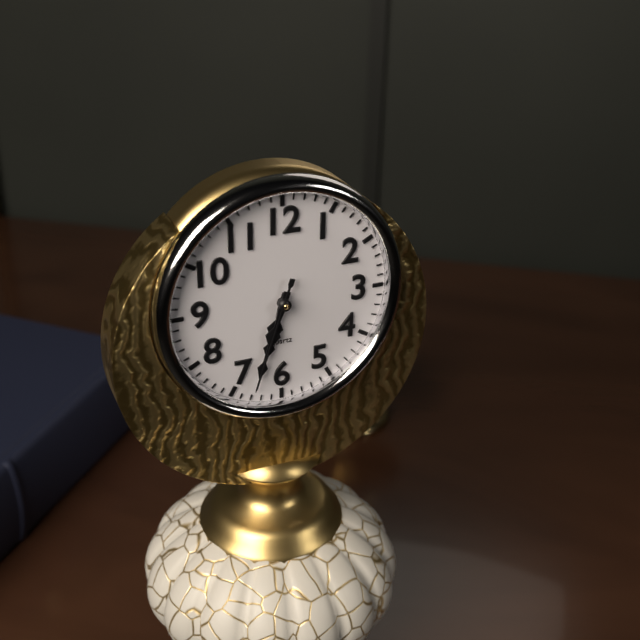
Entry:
6h33m33s
